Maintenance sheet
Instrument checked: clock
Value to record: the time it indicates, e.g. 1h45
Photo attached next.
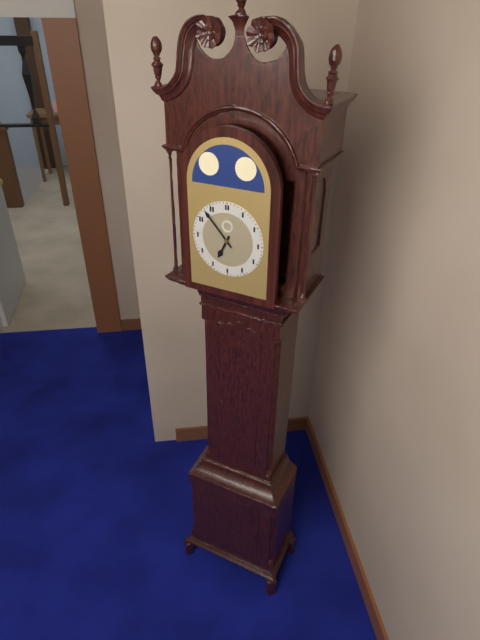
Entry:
6h53
